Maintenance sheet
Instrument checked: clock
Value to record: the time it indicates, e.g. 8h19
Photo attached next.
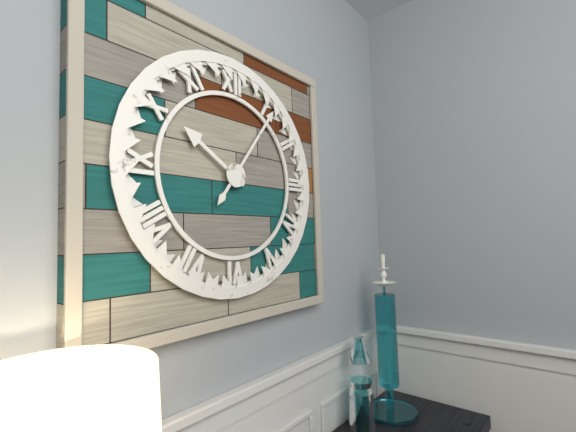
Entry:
10h06
